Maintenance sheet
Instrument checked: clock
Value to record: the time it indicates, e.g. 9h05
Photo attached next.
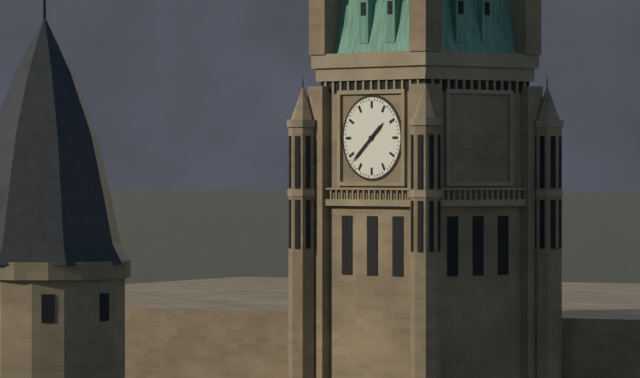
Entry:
1h38
